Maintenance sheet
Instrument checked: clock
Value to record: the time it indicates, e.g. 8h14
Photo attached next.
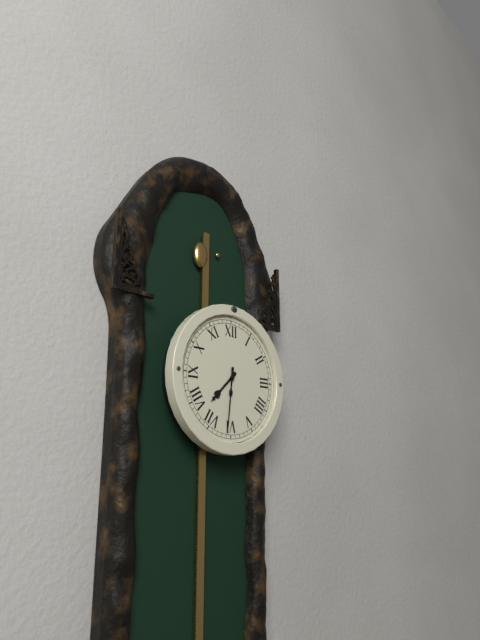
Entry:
7h31
